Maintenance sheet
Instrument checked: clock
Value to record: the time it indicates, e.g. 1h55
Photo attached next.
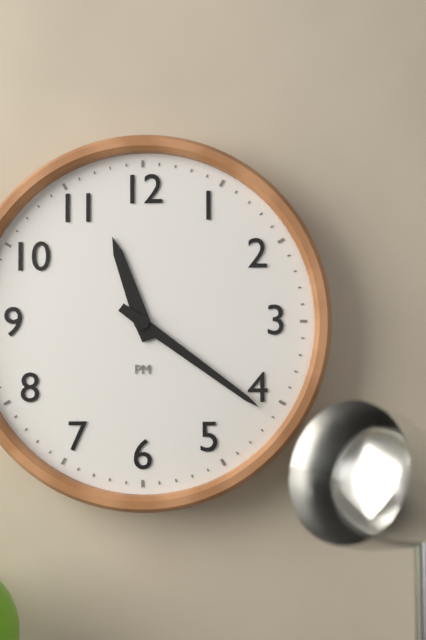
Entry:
11h21
